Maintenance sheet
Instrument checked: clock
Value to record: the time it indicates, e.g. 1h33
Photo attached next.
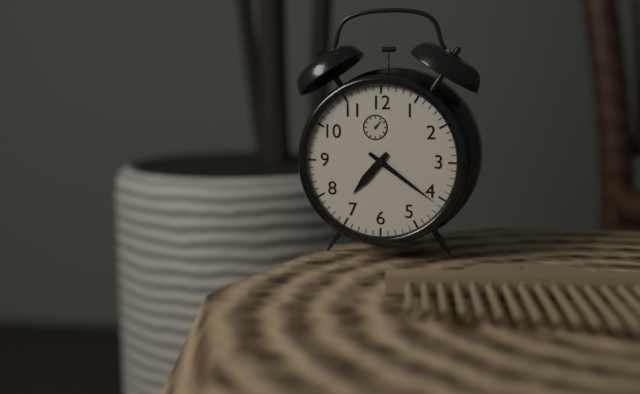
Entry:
7h21
